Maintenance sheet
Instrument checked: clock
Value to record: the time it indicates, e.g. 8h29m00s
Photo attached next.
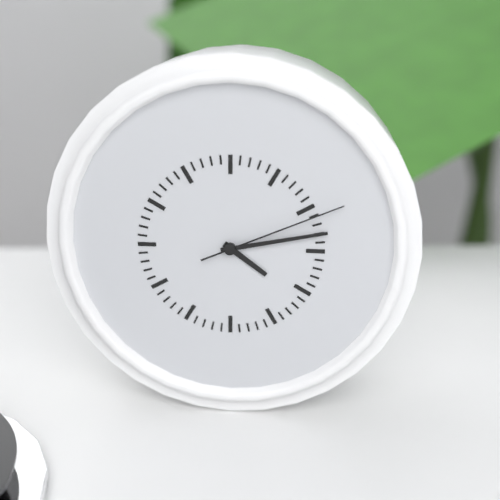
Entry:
4h13m11s
